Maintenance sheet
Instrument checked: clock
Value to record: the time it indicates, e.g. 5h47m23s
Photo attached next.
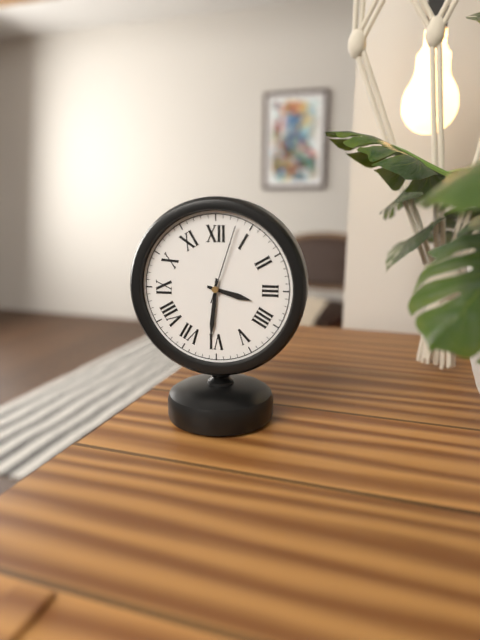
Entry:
3h31m03s
